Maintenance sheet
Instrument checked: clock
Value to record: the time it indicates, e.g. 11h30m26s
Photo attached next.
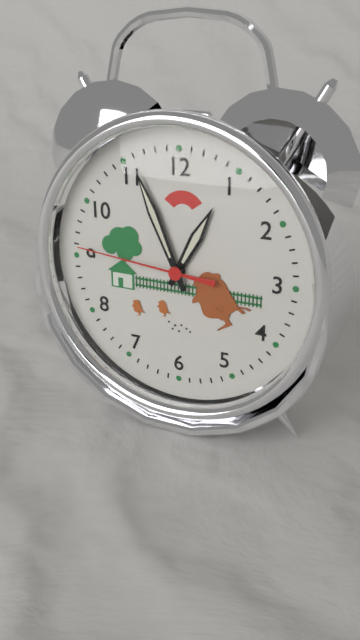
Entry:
12h56m46s
